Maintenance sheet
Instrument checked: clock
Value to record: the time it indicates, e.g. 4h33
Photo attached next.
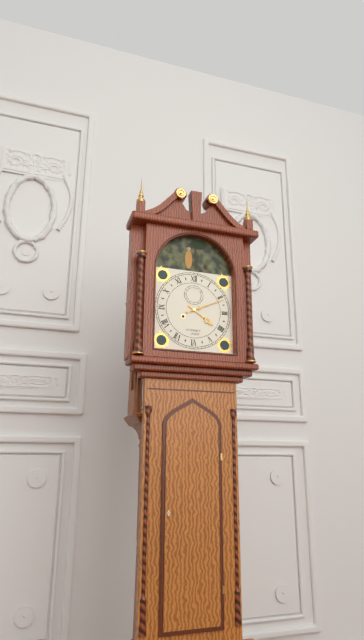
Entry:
4h11
